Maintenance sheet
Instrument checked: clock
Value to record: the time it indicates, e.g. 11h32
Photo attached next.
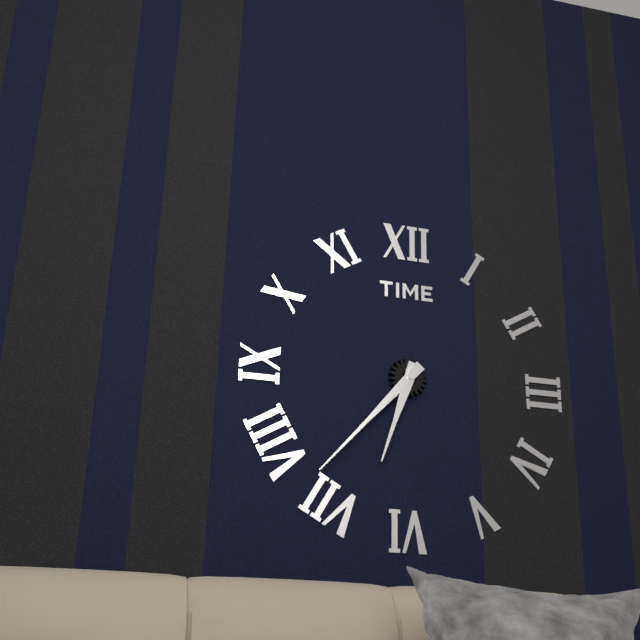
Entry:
6h37
